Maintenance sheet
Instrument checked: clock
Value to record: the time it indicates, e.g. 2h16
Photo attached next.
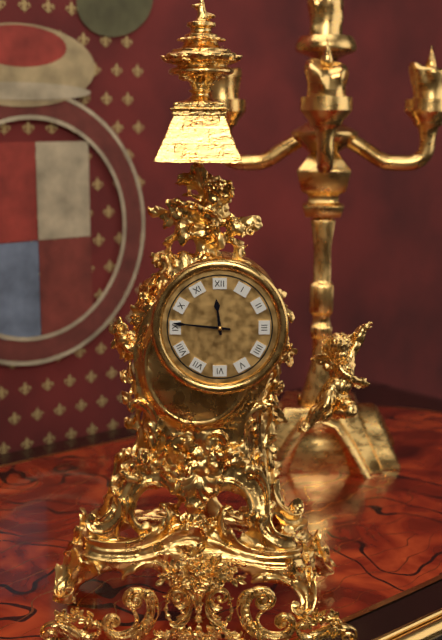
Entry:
11h46
